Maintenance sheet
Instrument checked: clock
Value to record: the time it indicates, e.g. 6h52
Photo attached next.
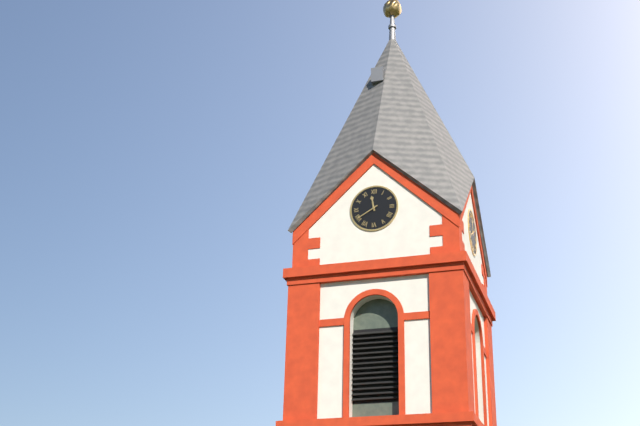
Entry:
11h40
